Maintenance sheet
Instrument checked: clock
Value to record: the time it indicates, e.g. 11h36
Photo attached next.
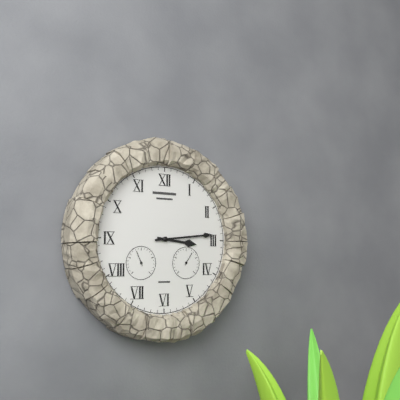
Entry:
3h14
